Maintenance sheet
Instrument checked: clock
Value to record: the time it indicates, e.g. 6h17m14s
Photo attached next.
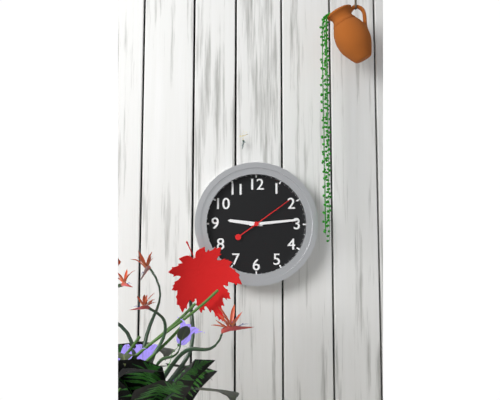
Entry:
9h14m09s
